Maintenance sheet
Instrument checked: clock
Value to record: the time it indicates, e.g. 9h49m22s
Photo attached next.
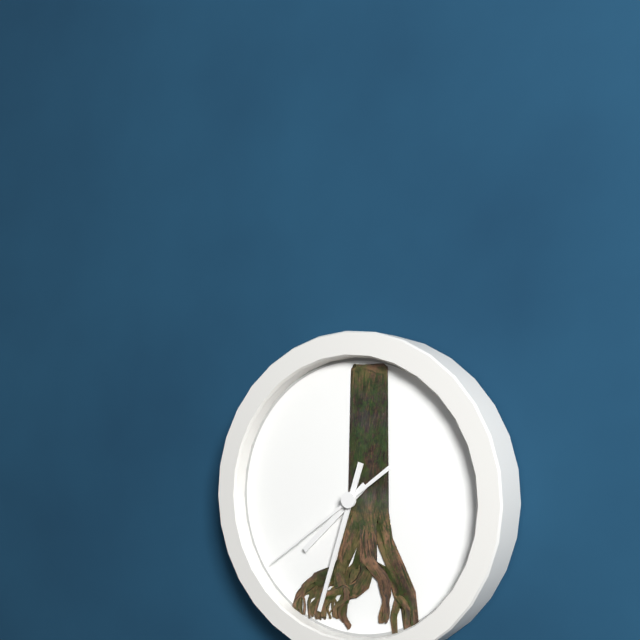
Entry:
7h33m39s
